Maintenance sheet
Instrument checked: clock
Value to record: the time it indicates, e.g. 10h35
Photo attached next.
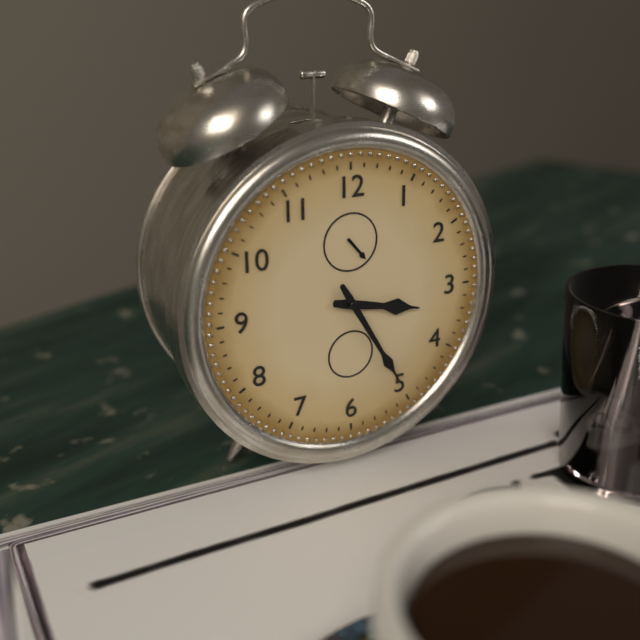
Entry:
3h25
